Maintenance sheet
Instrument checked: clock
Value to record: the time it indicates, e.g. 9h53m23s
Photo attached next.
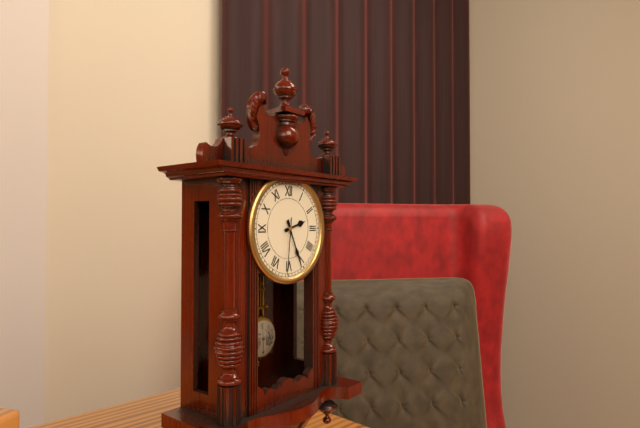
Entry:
2h26m31s
